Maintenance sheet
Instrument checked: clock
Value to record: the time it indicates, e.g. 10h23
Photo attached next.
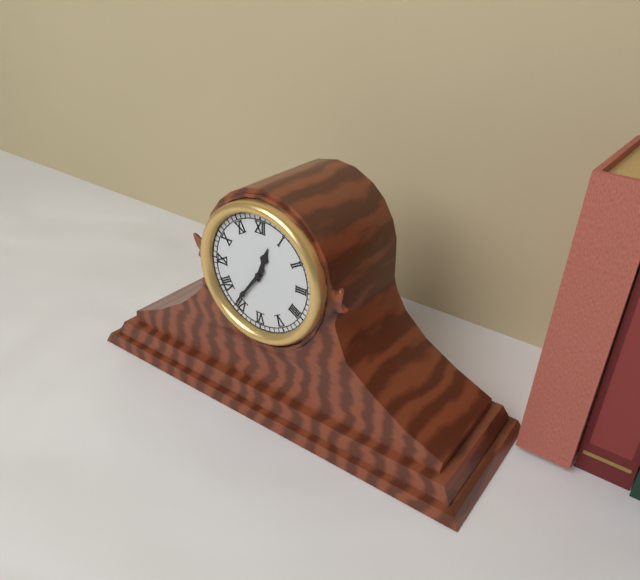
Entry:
12h36
